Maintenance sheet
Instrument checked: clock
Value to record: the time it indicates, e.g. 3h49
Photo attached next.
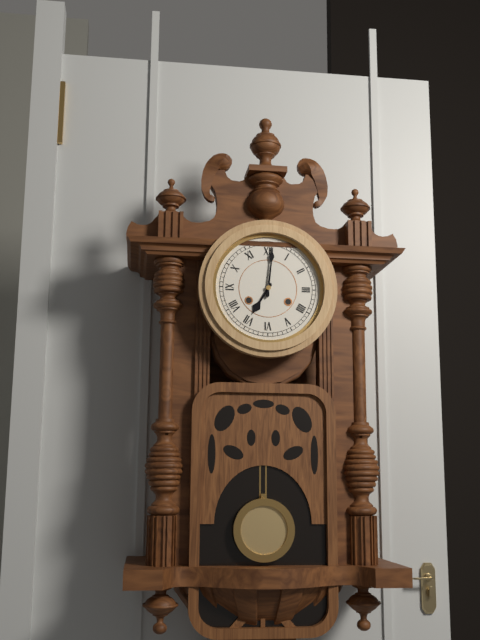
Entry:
7h01
